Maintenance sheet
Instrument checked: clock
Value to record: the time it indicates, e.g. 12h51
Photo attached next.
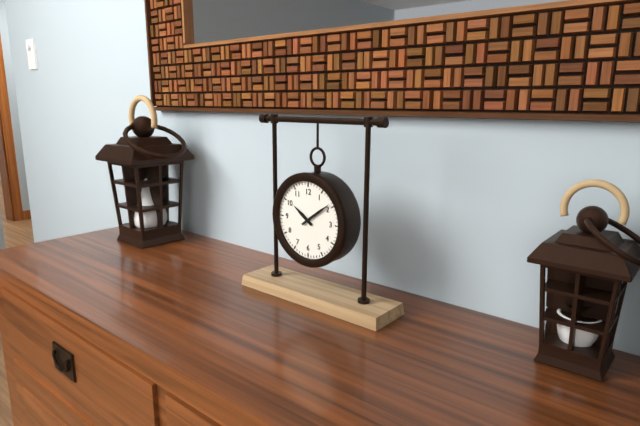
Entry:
10h09
